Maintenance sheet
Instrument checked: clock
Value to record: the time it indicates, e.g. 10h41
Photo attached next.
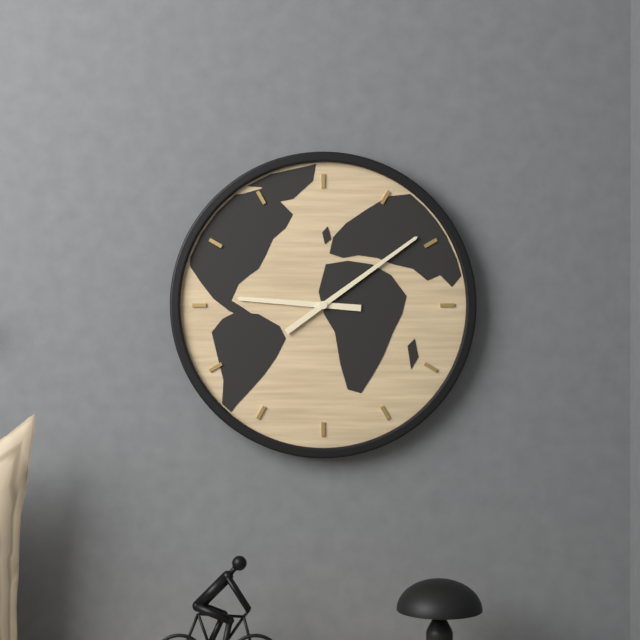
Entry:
9h09
